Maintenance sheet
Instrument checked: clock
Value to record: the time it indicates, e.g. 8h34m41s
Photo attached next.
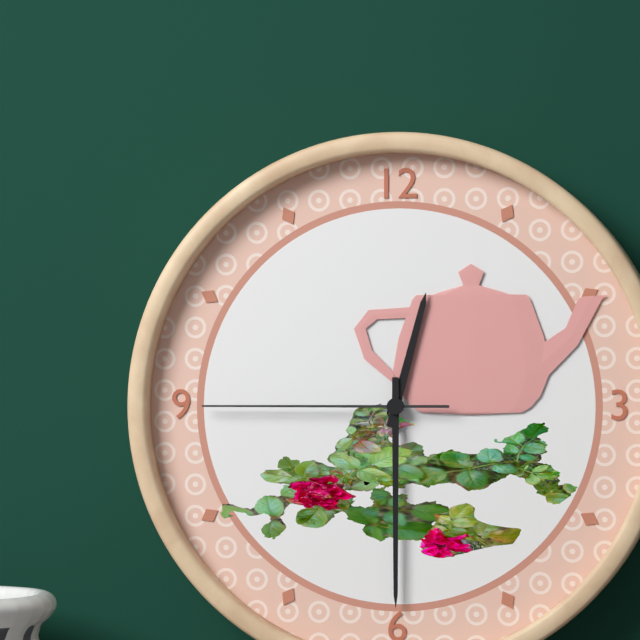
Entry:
12h30m45s
